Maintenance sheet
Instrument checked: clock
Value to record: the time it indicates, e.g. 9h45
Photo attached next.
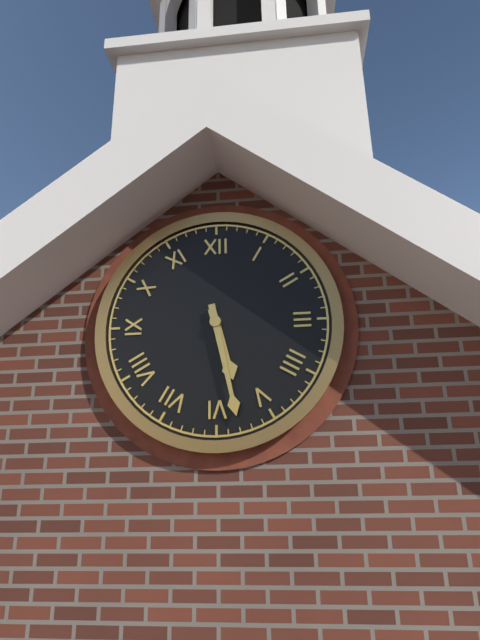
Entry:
5h28
